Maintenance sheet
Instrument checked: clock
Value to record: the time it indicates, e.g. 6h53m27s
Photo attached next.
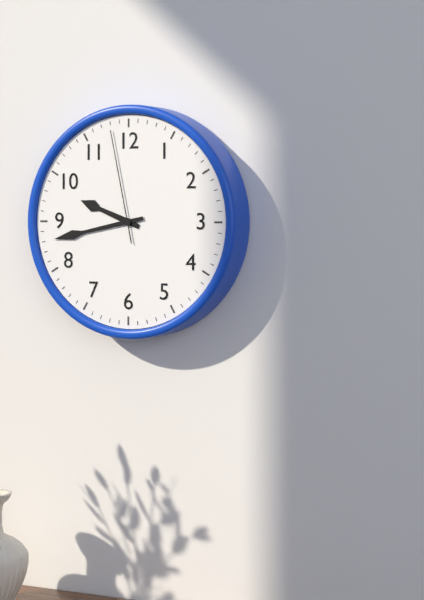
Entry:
9h43m58s
